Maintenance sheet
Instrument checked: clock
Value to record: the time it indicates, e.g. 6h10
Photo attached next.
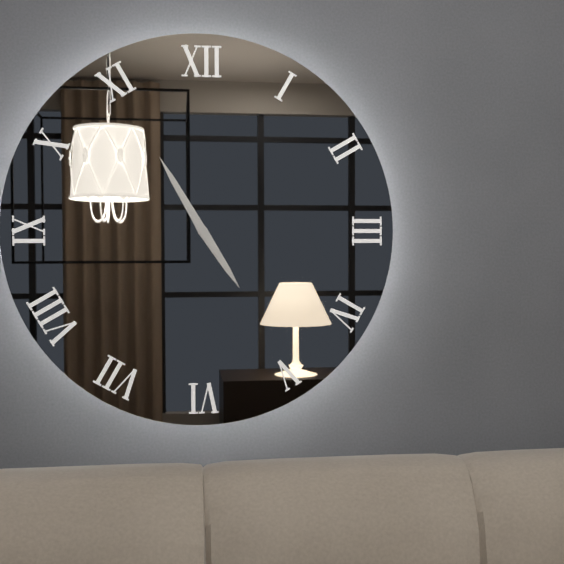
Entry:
4h55
